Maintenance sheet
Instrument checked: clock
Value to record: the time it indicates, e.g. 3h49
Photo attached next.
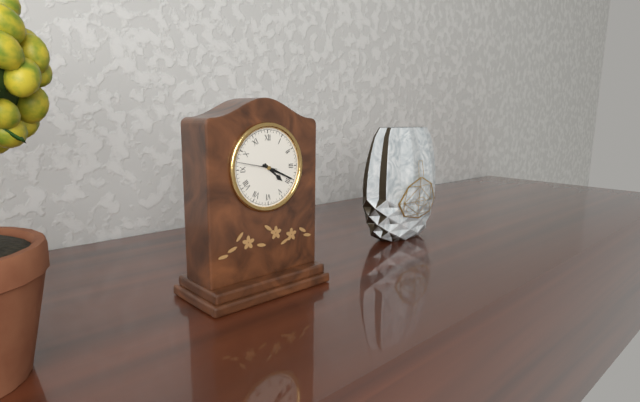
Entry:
4h19
